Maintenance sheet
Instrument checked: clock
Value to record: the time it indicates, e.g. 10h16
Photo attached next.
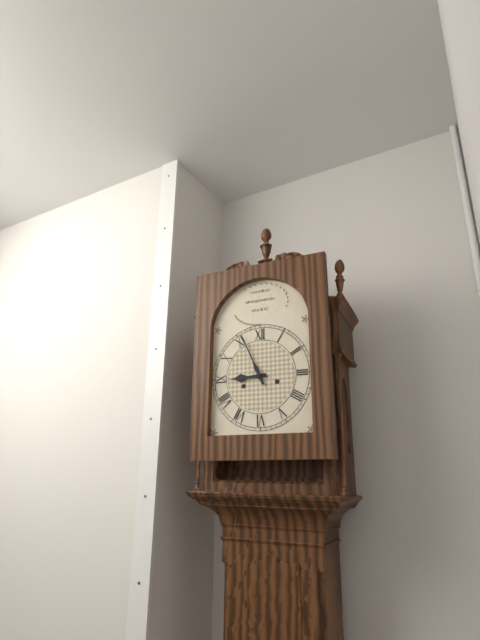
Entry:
8h56
